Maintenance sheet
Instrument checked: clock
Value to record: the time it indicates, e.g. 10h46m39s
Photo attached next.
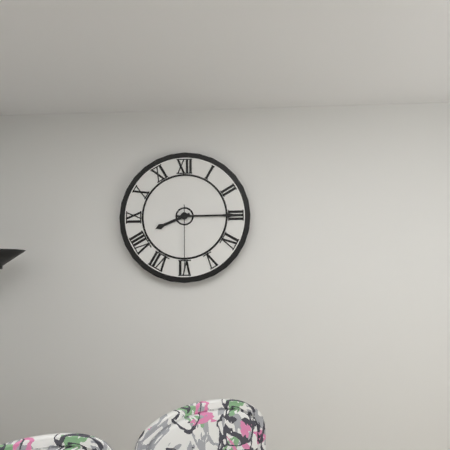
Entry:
8h15m30s
